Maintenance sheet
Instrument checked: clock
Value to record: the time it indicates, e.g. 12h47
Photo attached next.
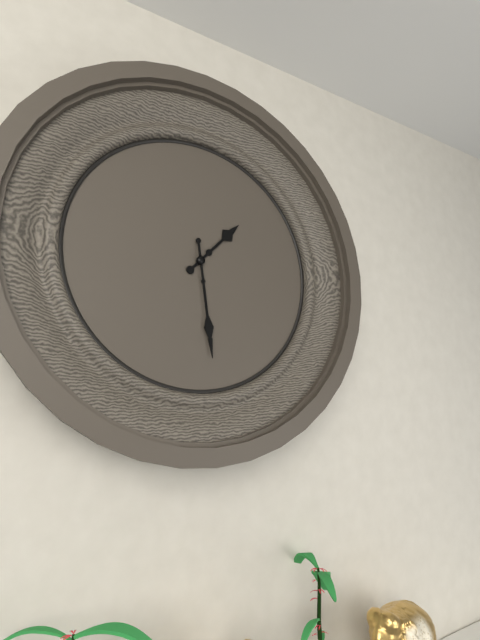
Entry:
1h29
